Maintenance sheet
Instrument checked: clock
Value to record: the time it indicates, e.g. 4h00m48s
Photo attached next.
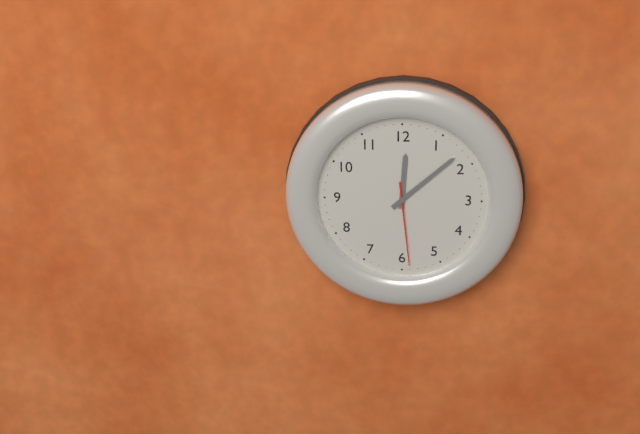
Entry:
12h08m29s
